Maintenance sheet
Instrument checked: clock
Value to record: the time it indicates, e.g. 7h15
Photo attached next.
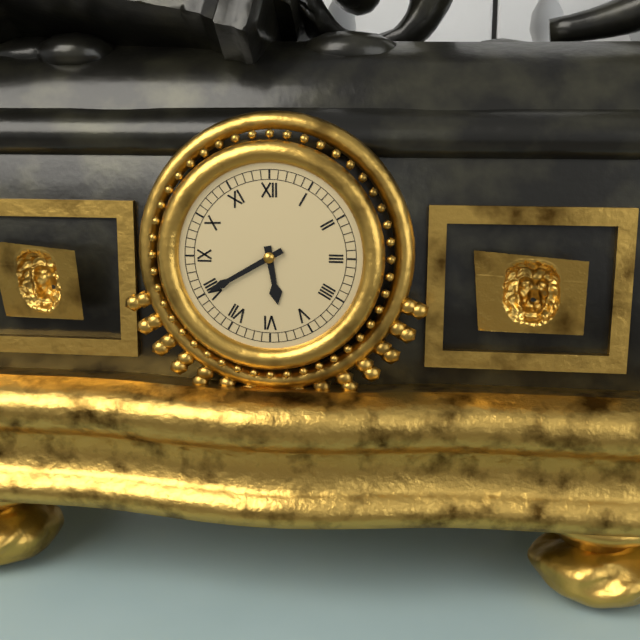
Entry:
5h40
